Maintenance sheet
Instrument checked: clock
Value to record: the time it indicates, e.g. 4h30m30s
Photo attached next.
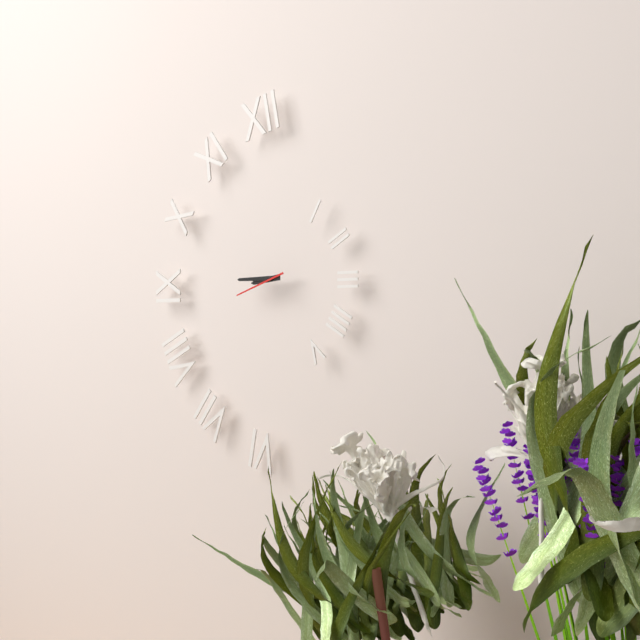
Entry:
8h45m42s
